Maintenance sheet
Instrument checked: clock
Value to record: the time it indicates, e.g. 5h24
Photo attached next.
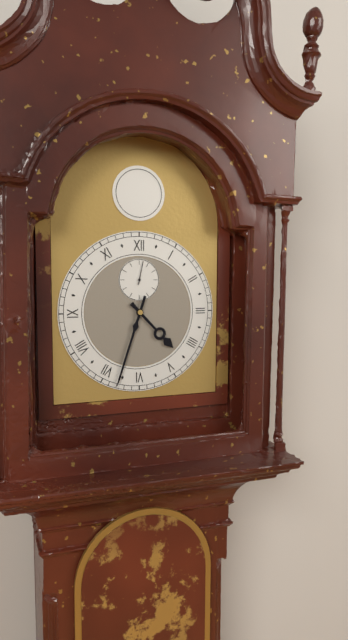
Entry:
4h33
